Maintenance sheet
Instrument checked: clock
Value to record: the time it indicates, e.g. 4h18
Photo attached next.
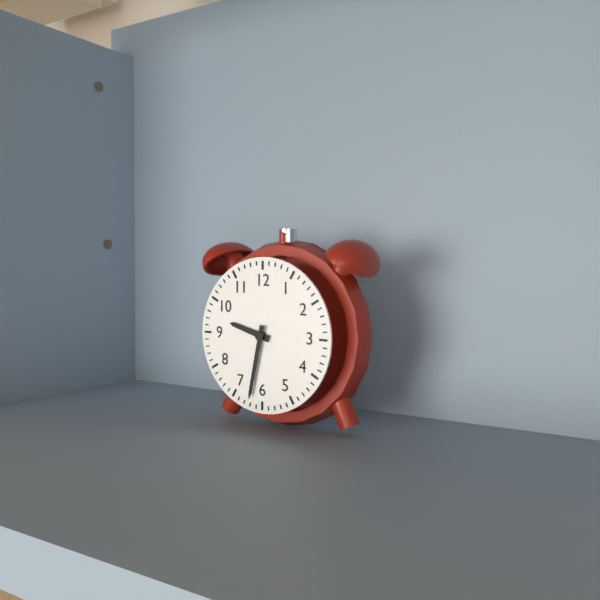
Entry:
9h32
